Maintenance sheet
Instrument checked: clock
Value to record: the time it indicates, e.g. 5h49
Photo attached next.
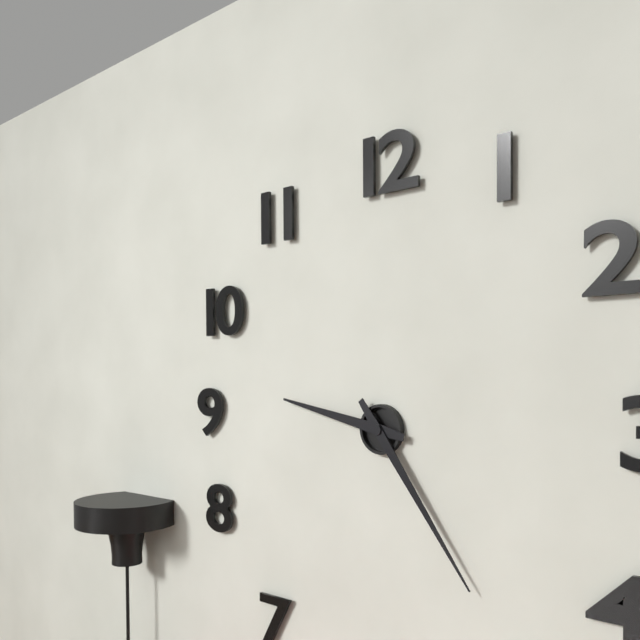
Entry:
9h24
